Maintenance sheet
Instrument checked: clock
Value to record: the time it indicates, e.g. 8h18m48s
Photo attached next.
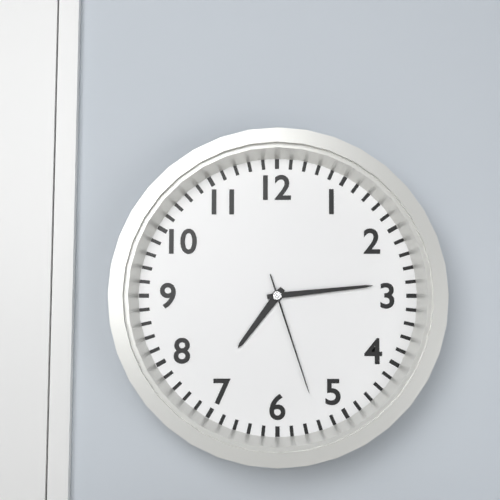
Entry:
7h14m27s
